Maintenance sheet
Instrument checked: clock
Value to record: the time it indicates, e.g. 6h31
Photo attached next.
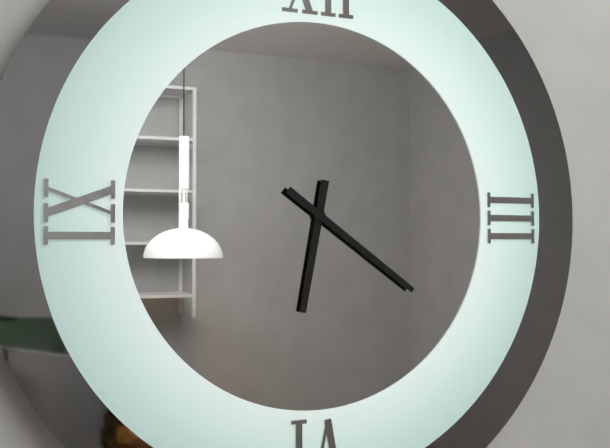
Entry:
6h21
